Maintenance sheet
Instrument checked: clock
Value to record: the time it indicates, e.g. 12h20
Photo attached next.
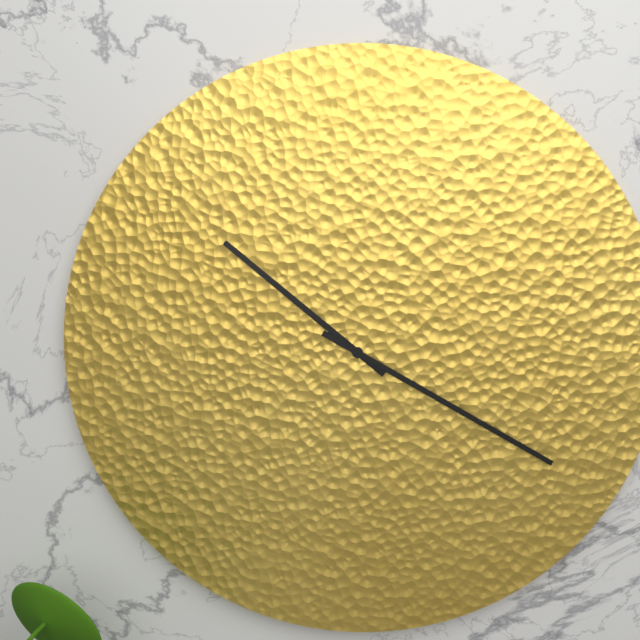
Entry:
10h20
